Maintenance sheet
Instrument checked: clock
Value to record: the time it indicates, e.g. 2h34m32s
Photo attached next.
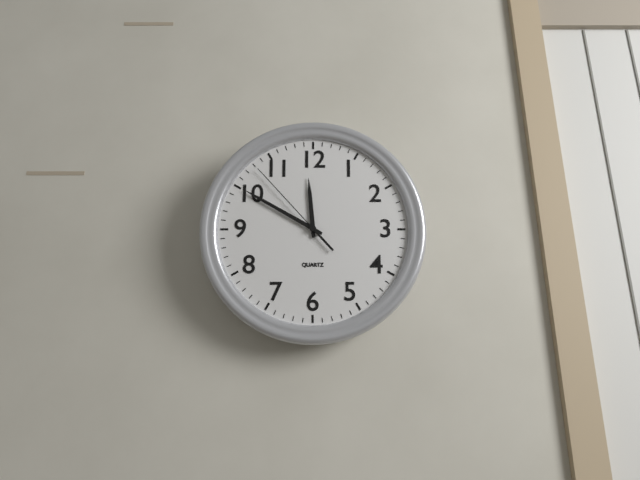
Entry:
11h50m53s
